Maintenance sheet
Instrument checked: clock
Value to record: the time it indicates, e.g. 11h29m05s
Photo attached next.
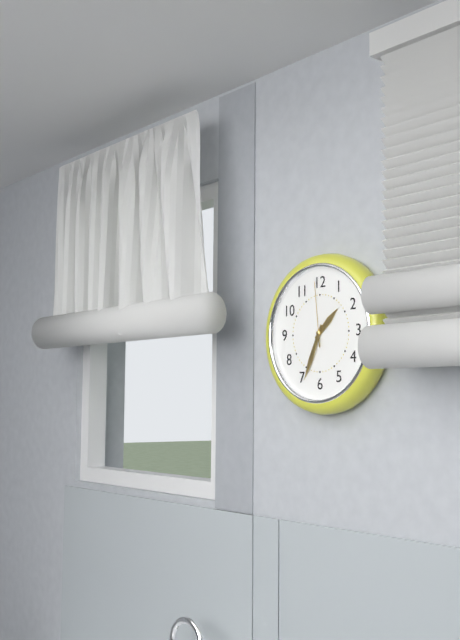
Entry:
1h34m59s
